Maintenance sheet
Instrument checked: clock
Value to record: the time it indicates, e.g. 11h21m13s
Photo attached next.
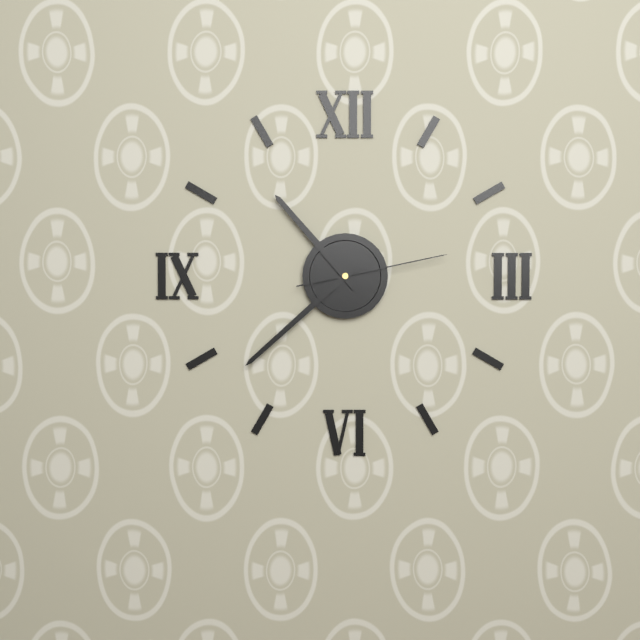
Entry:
10h38m13s
